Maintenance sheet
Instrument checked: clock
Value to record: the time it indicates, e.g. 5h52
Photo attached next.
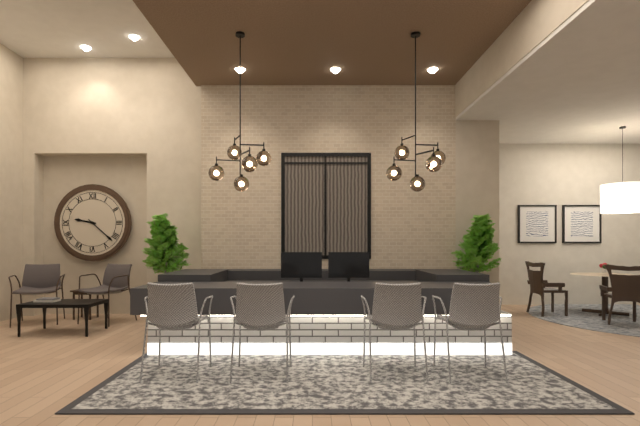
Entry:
9h22
